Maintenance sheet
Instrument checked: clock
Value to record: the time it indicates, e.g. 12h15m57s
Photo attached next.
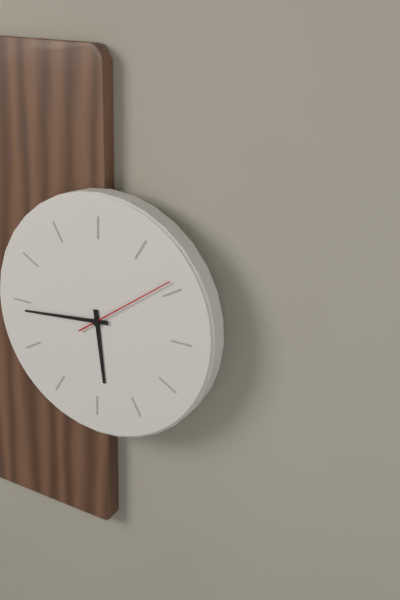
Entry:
5h44m09s
